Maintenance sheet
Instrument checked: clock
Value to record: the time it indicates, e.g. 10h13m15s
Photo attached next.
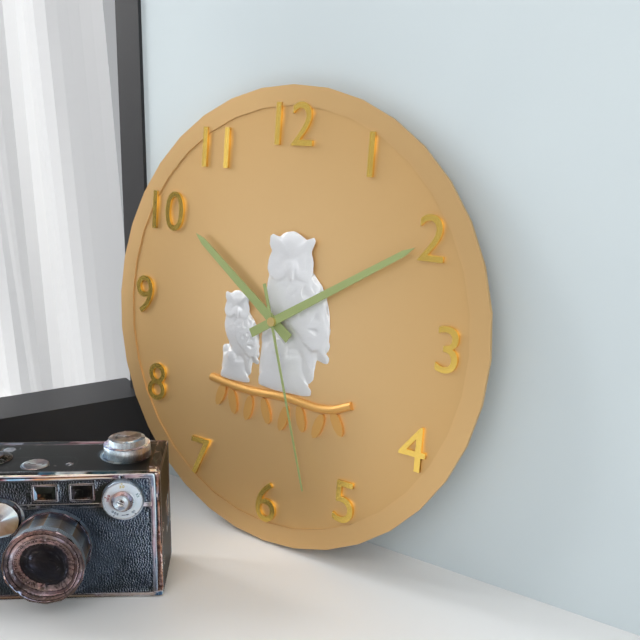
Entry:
10h10m27s
